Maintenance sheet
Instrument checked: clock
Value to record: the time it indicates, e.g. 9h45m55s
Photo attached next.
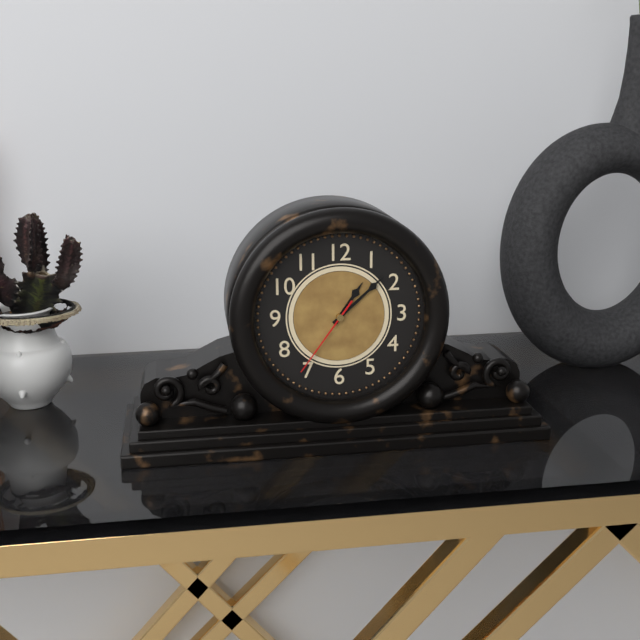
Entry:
1h08m36s
